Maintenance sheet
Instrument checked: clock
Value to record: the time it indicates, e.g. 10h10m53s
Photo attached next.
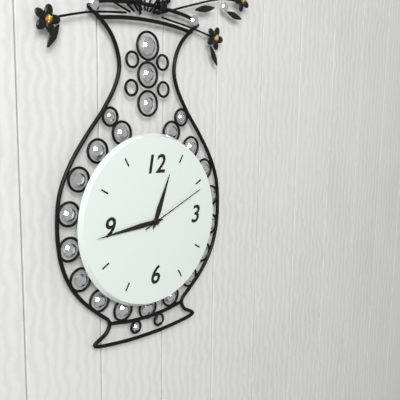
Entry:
12h44m11s
